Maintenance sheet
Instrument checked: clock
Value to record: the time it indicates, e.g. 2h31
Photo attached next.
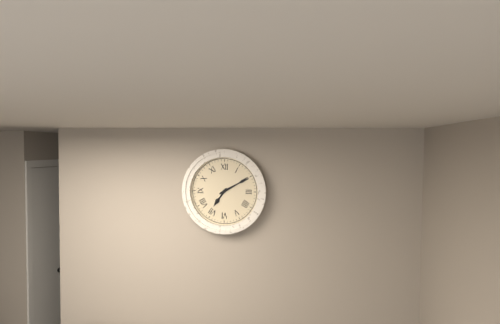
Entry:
7h10
